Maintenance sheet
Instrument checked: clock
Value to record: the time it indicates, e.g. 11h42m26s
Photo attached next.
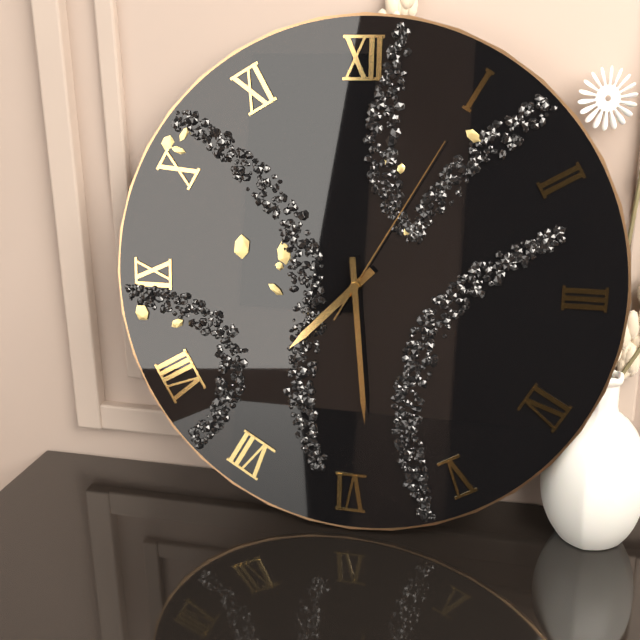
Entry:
7h29m05s
